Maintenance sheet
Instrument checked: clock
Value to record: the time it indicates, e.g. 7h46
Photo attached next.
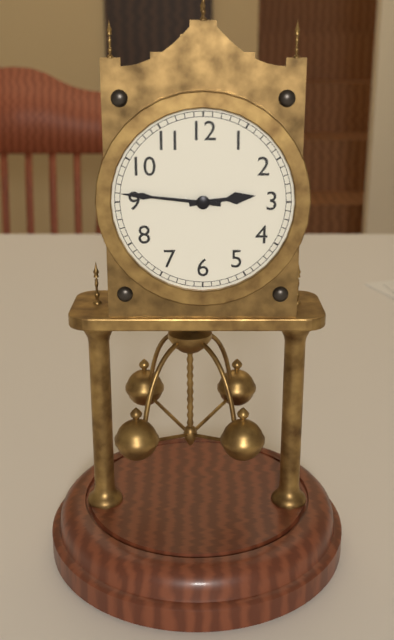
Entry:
2h46
